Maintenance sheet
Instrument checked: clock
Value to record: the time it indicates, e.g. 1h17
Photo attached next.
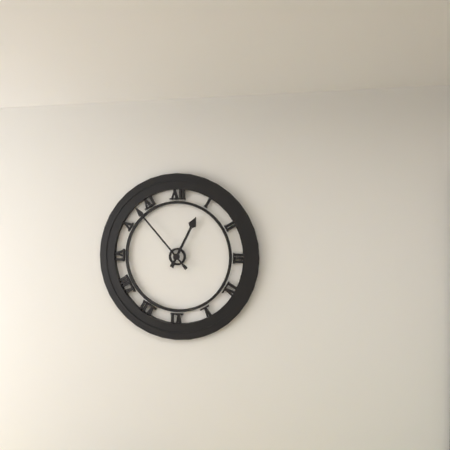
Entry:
12h53
